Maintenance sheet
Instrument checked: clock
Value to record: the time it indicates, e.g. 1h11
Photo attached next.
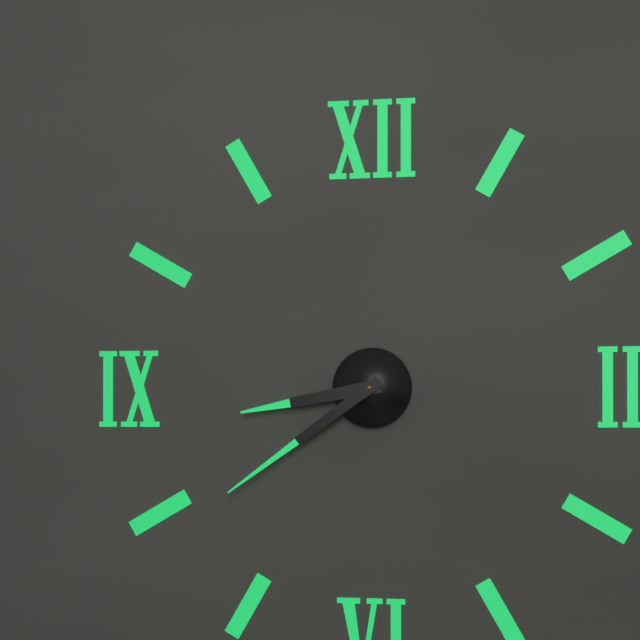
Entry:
8h39
